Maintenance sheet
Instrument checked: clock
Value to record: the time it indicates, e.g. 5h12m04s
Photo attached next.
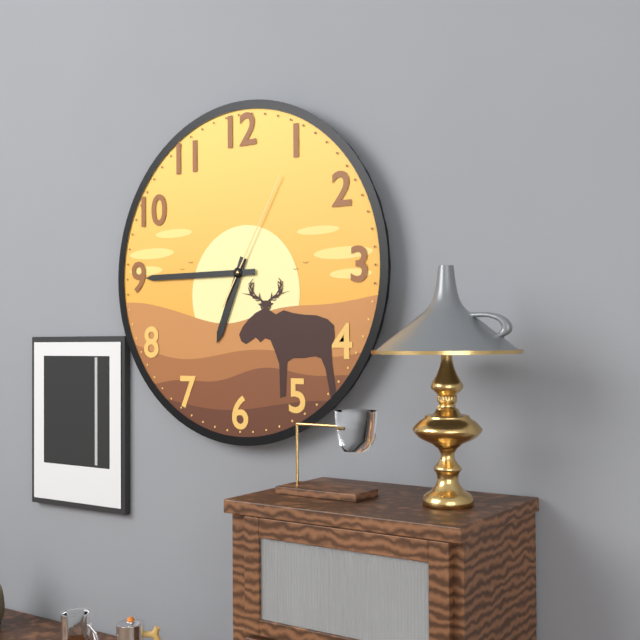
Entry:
6h45m05s
